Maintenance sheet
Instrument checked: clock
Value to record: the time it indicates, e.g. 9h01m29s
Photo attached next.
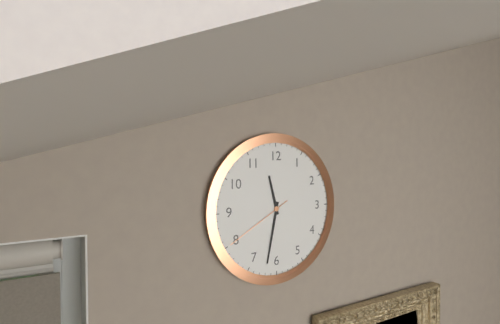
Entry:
11h32m40s
